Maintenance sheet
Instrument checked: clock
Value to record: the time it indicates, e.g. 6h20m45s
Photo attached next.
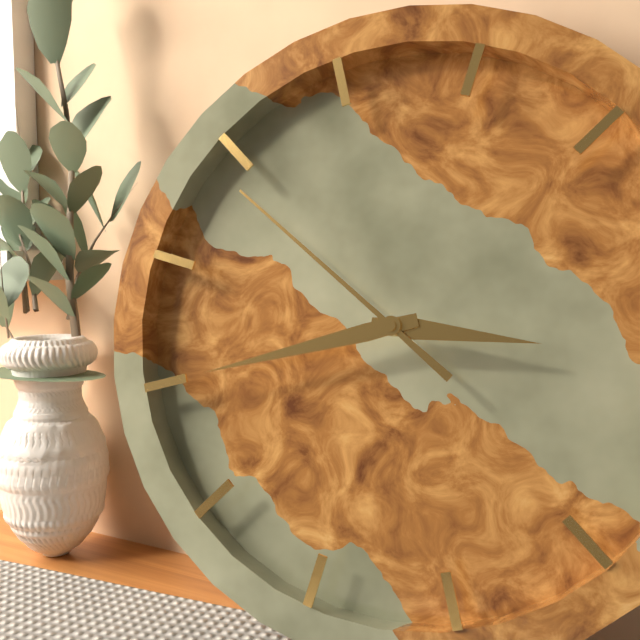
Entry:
2h40m49s
